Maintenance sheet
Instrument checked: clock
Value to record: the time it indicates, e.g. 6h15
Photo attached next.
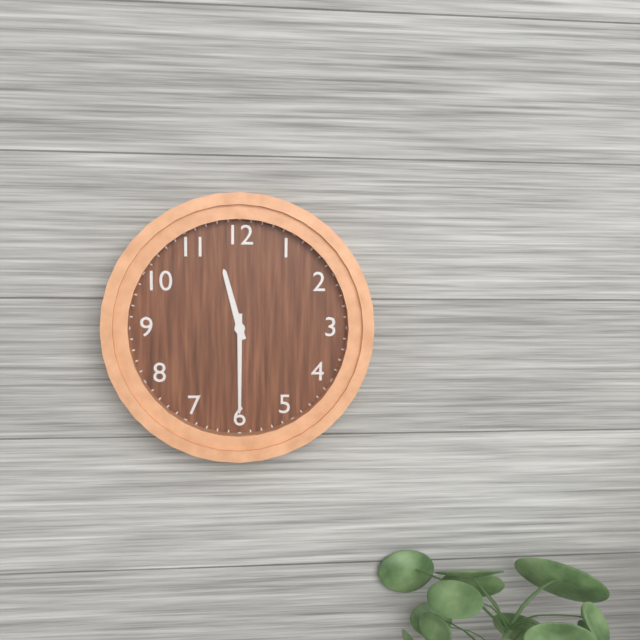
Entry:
11h30
